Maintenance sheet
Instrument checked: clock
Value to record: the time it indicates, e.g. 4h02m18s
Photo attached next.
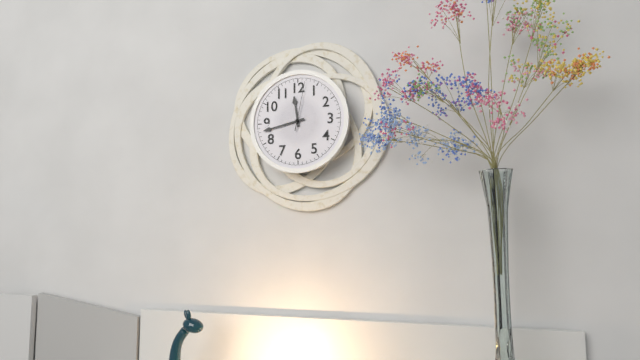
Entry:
11h43m02s
